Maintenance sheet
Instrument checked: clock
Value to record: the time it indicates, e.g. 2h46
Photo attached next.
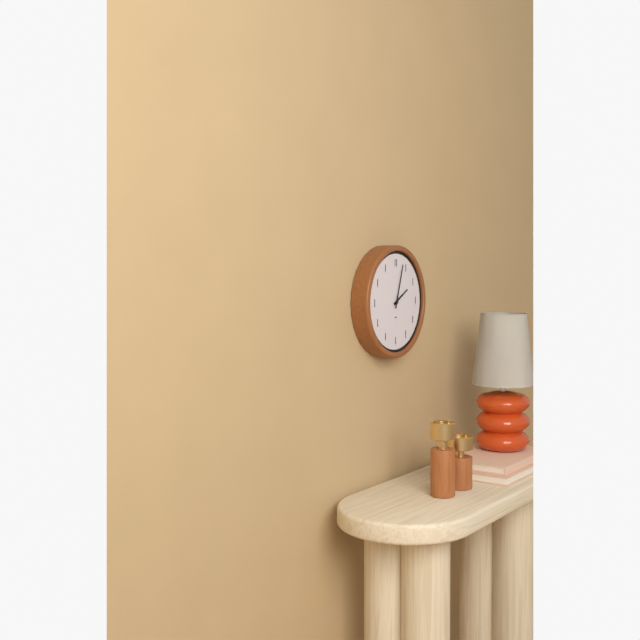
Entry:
2h03
